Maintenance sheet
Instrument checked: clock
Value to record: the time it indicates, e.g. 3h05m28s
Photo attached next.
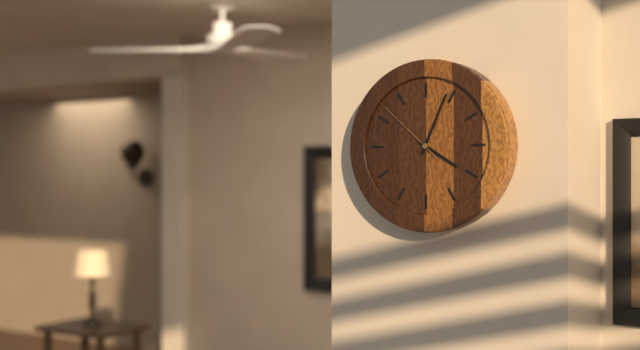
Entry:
4h04m52s
